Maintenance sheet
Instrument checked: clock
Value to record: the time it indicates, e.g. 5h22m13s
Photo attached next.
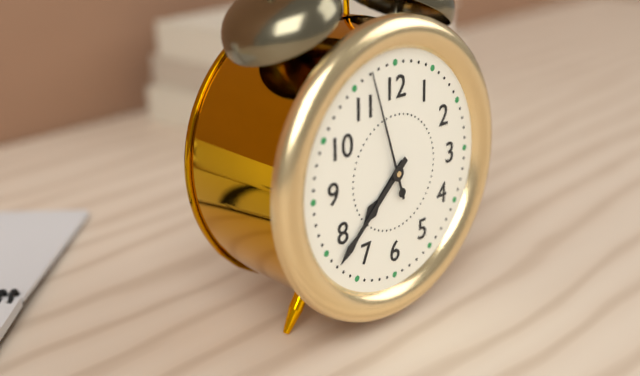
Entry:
7h38m57s
